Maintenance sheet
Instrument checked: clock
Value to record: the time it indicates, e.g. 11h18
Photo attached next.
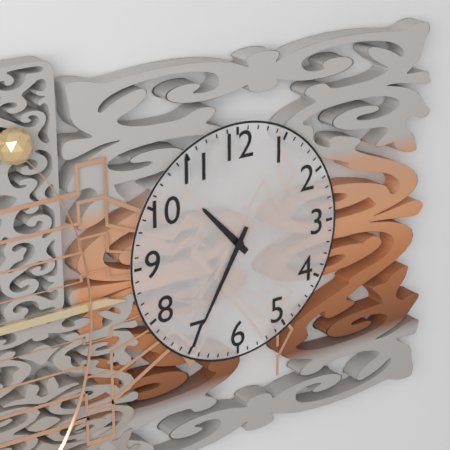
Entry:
10h35
